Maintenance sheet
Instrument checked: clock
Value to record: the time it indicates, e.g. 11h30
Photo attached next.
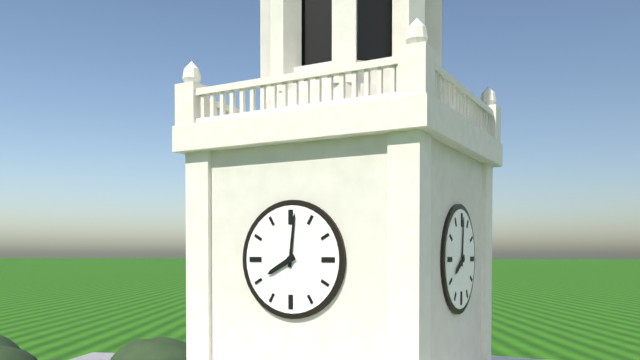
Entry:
8h01
